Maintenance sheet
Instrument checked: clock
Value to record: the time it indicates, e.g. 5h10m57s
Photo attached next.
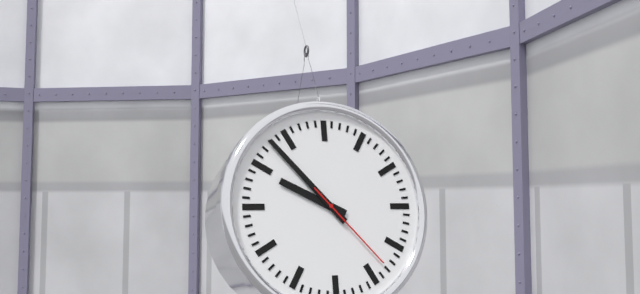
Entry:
9h53m23s
